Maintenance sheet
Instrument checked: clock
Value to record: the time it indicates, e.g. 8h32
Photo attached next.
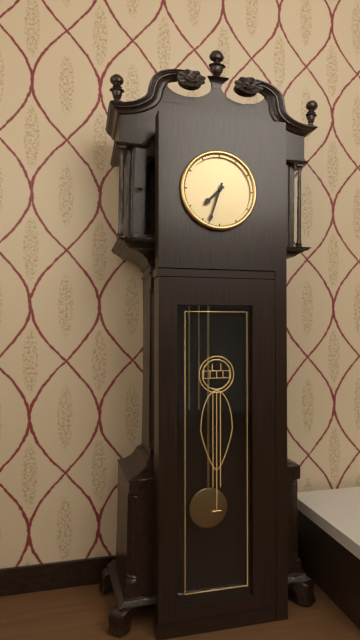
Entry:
7h33
